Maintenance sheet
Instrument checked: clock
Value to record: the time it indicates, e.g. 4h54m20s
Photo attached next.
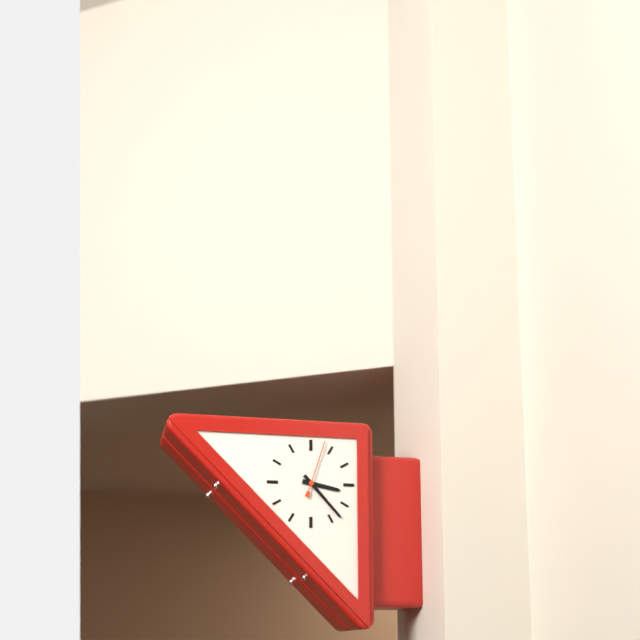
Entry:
3h23m03s
